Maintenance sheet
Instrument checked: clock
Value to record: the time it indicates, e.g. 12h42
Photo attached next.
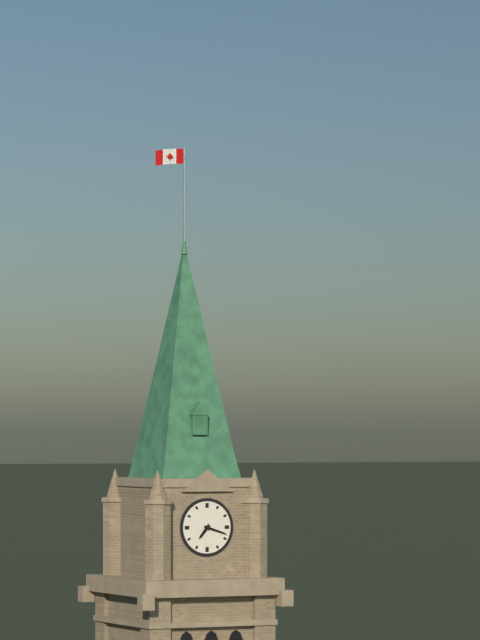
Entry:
7h18
